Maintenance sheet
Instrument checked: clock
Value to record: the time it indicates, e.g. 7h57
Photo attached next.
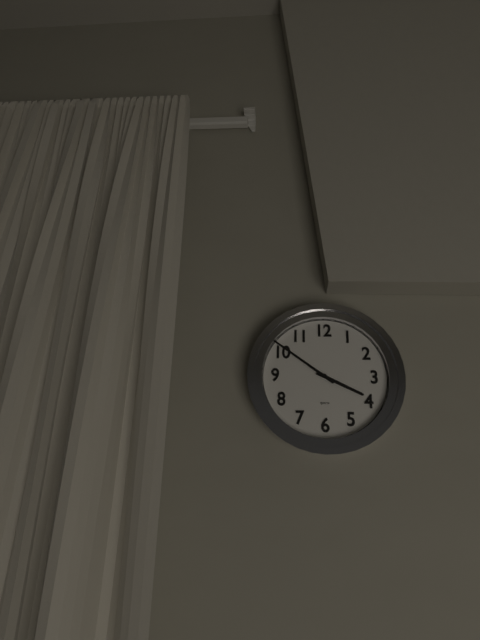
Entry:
3h51
